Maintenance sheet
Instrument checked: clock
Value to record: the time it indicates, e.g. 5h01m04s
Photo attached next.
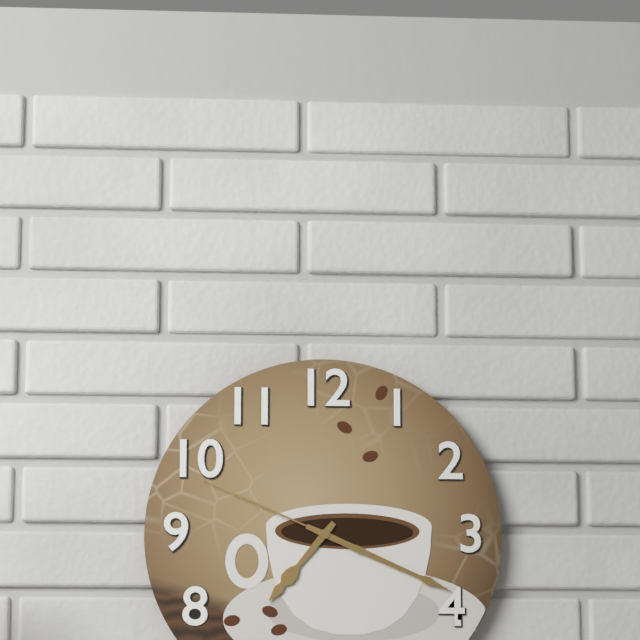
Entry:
7h19m49s
